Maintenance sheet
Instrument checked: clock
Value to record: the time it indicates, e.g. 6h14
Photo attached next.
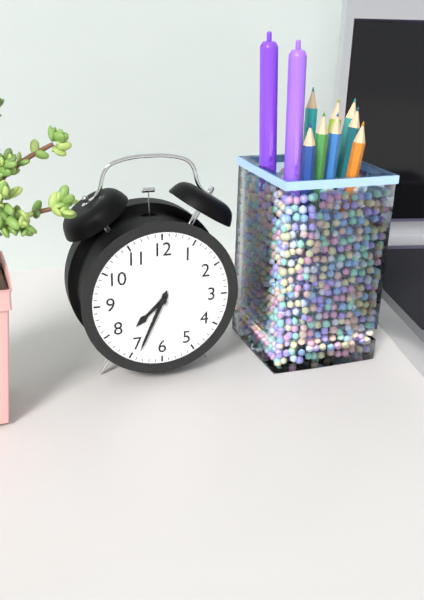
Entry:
7h34
